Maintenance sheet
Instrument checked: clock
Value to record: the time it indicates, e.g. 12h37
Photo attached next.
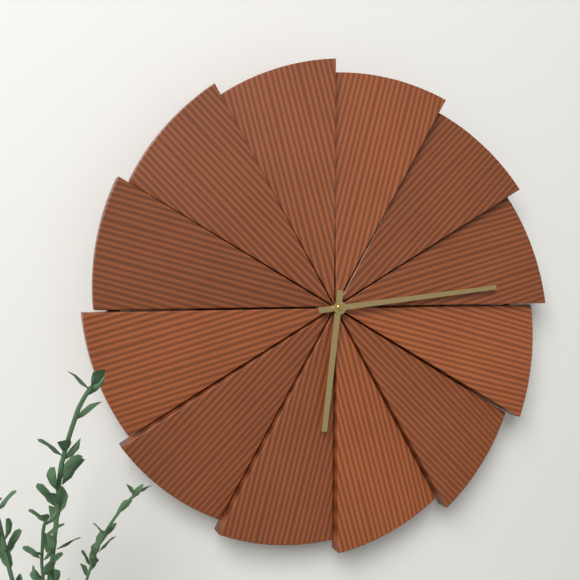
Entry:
6h14
